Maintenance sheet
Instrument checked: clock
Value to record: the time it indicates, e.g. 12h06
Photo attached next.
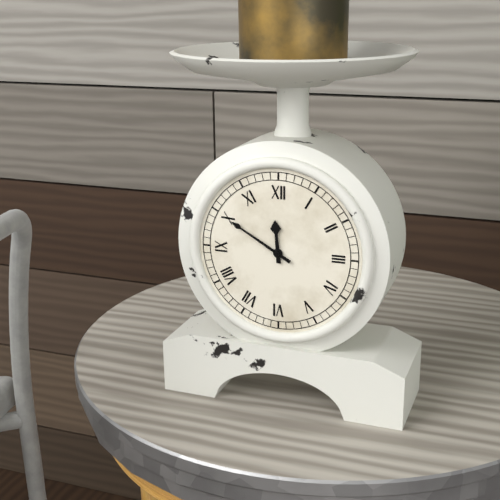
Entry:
11h50
